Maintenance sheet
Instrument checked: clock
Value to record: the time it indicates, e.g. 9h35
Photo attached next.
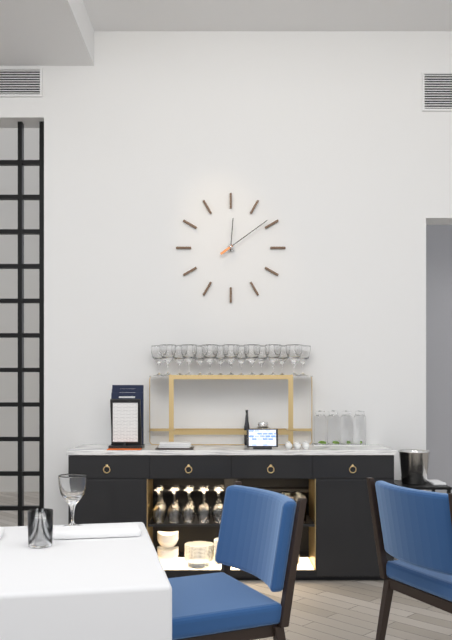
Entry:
12h09
